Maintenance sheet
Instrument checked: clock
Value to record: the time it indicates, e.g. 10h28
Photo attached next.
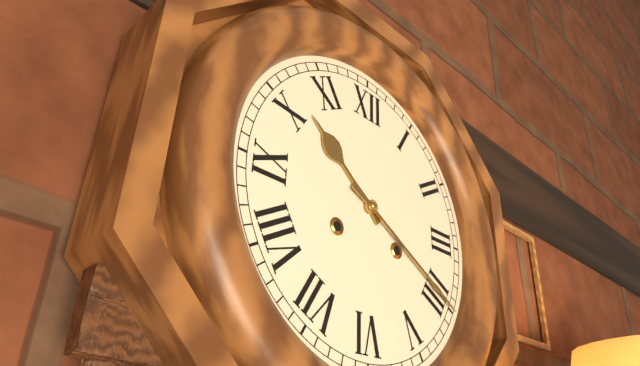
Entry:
10h20
